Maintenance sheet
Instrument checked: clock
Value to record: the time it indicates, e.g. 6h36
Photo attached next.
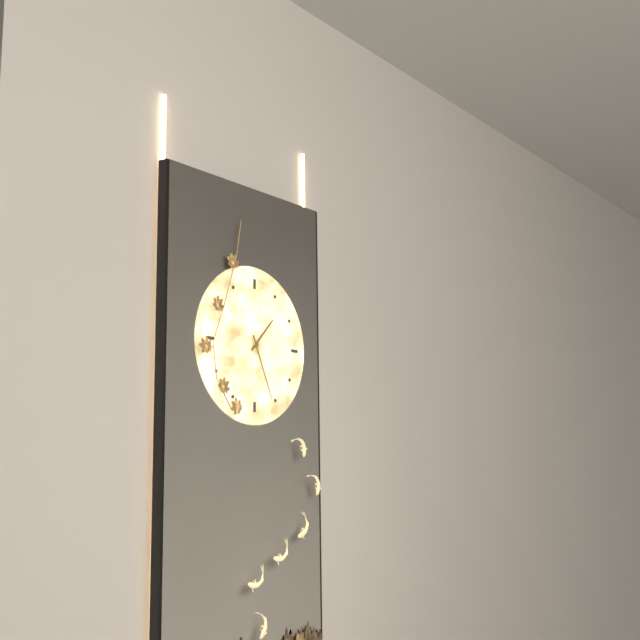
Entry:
1h26
